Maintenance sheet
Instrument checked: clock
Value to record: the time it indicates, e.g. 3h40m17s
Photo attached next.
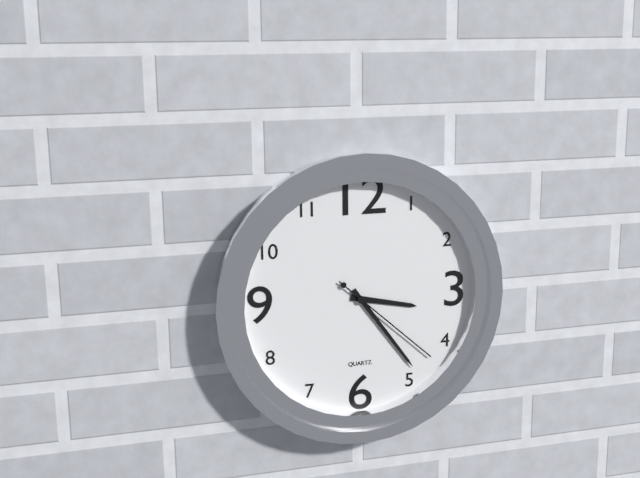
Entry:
3h24m22s
